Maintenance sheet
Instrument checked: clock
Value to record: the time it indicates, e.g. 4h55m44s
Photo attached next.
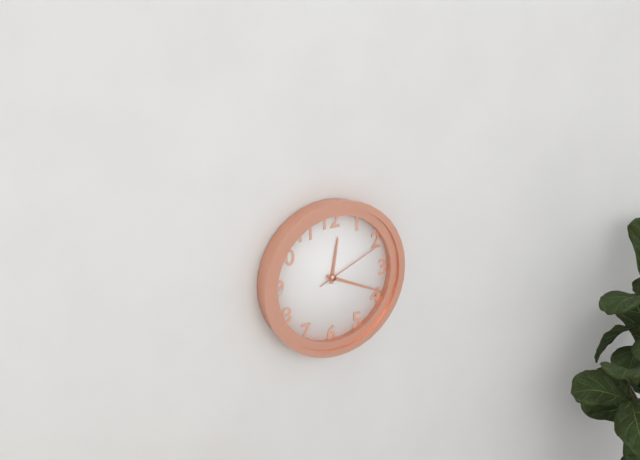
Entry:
12h19m11s
